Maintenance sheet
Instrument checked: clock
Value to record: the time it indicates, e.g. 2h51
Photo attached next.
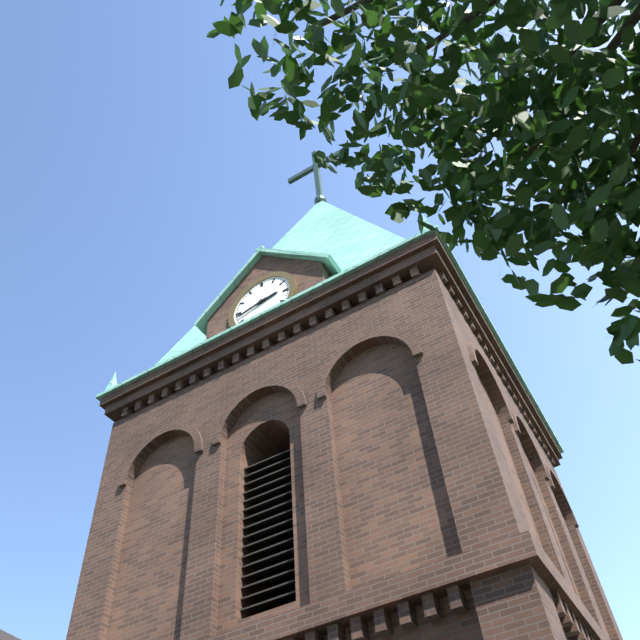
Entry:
2h43
